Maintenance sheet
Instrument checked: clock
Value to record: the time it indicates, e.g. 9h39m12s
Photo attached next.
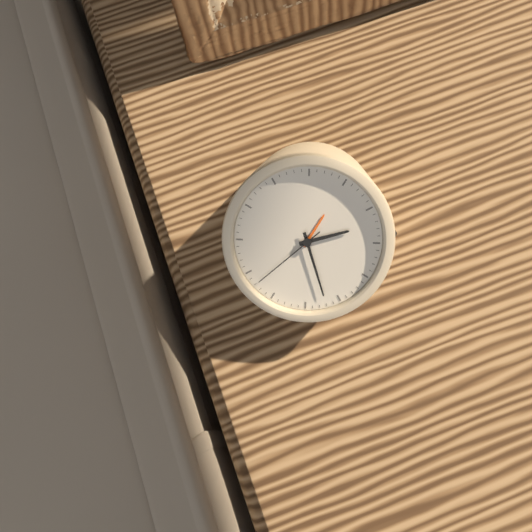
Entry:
2h27m38s
